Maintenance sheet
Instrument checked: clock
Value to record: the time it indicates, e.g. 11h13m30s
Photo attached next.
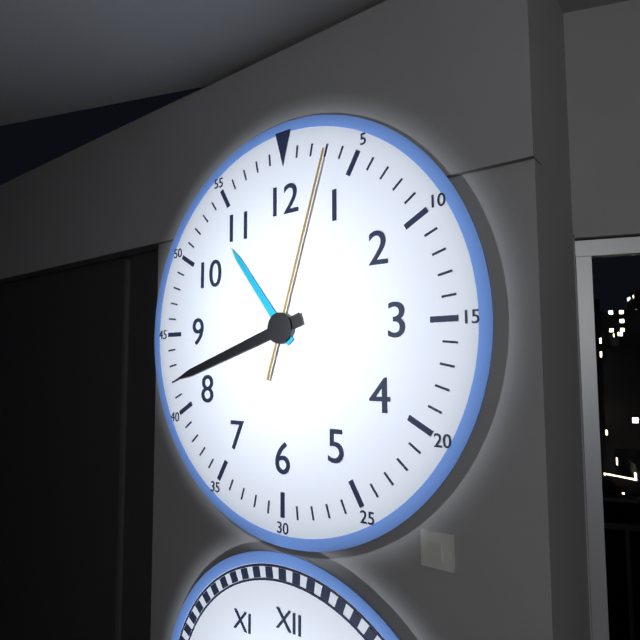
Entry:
10h42m03s
